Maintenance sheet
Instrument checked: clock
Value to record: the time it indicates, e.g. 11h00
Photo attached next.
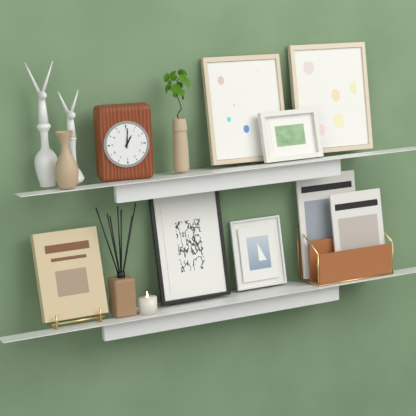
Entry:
1h01
